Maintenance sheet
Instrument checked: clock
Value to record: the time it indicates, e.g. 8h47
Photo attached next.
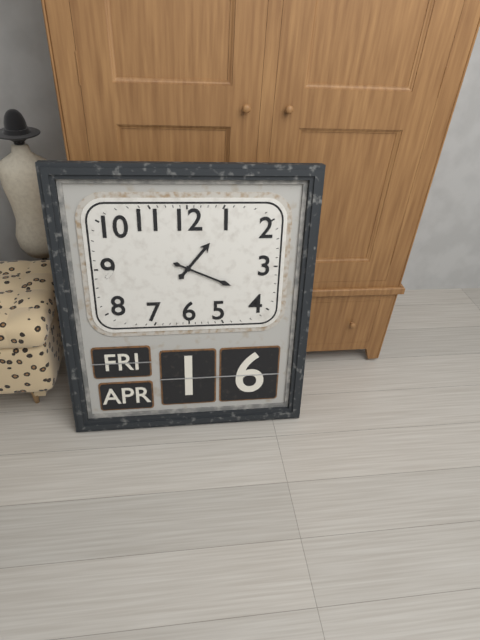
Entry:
1h19
